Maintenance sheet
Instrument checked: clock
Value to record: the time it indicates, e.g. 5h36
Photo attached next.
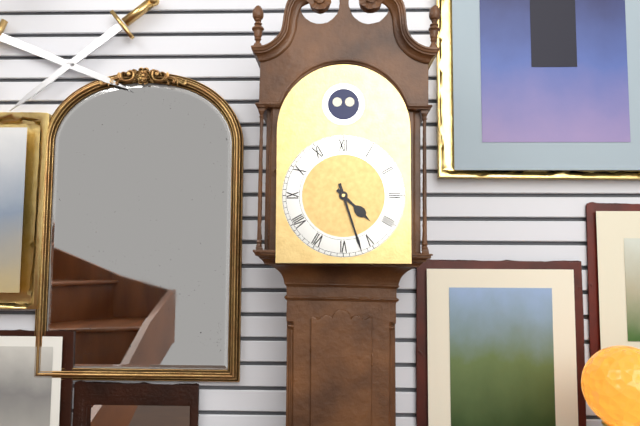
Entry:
4h27
